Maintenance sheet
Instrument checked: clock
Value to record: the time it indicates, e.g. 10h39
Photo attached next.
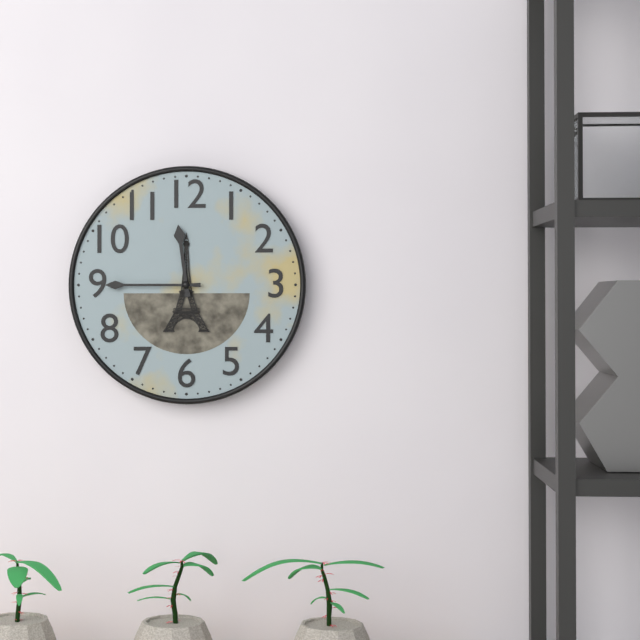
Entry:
11h45
